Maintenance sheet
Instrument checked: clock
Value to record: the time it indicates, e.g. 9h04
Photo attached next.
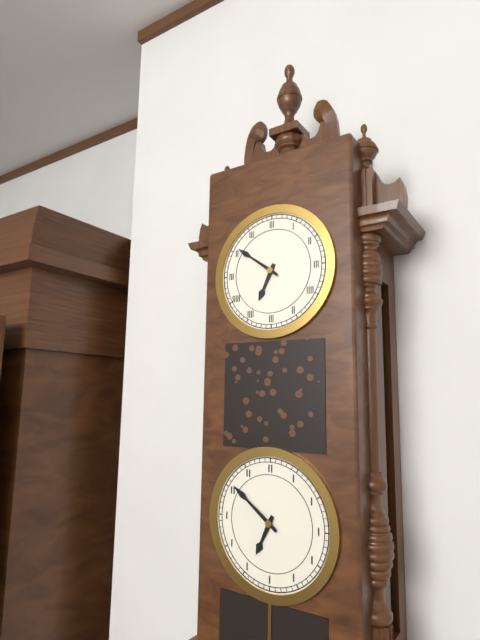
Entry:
6h51
